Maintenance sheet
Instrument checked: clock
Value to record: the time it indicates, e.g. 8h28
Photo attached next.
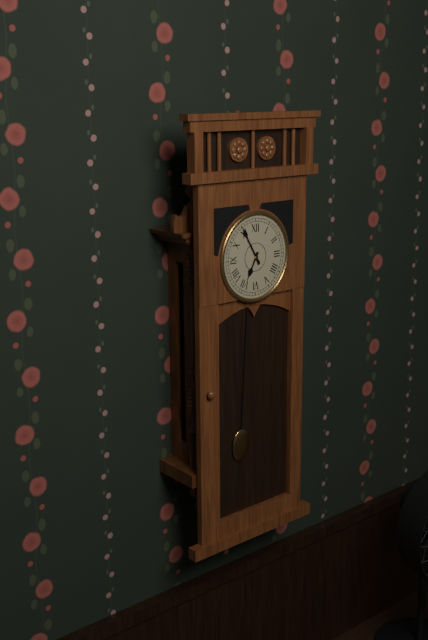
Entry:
6h55
